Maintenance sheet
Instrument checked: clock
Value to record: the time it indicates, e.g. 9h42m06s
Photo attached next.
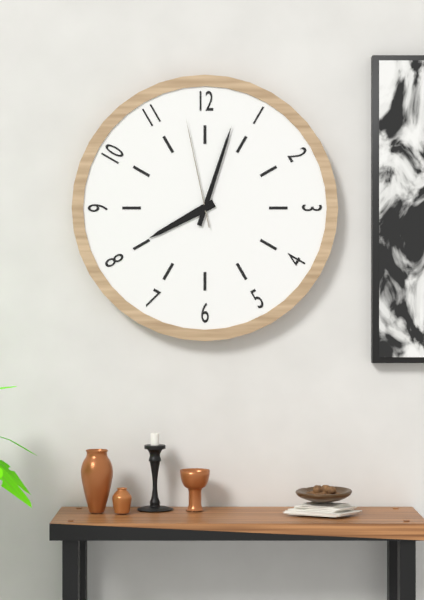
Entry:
8h03m58s
